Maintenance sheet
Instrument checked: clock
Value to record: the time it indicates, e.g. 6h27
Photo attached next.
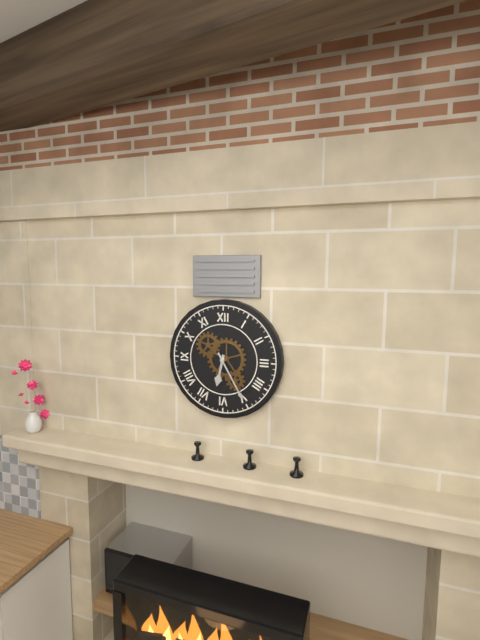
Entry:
6h25
